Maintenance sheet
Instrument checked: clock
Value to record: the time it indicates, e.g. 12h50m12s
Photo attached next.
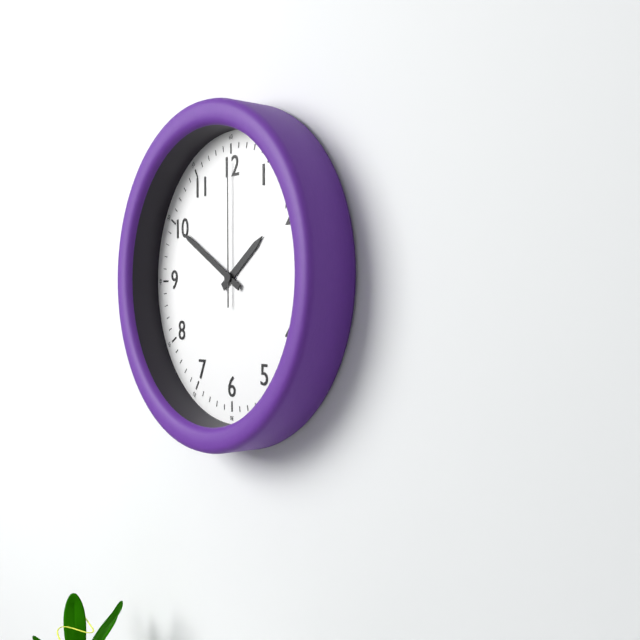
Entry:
1h50m00s
